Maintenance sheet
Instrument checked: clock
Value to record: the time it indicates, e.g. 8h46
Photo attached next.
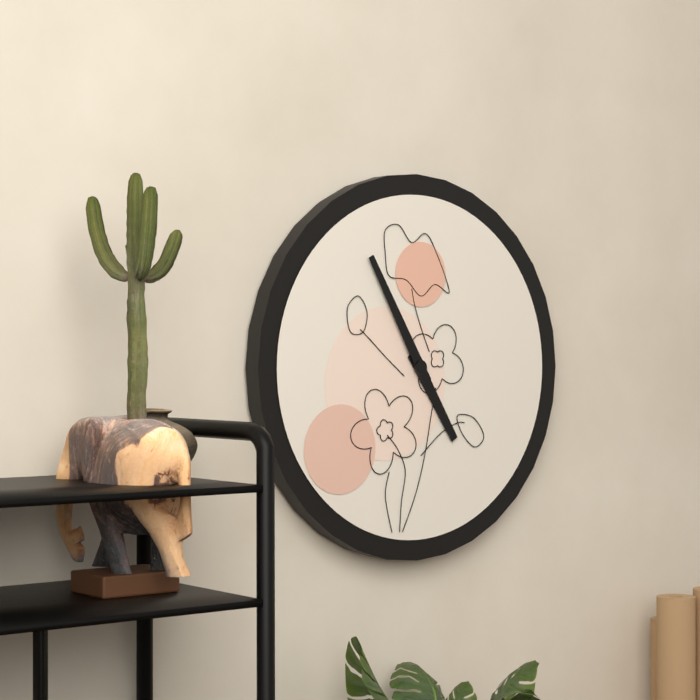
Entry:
4h55
